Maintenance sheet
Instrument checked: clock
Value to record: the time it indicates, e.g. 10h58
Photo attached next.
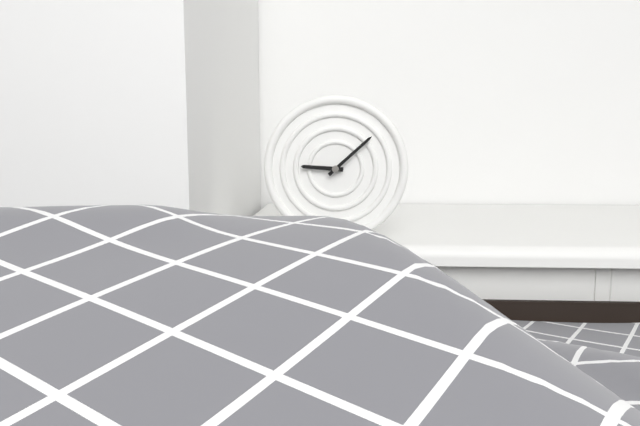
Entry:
9h08
